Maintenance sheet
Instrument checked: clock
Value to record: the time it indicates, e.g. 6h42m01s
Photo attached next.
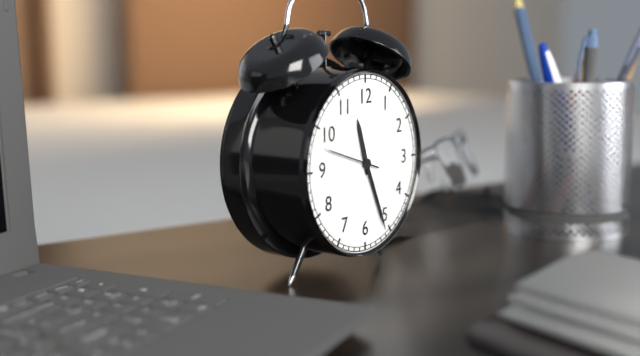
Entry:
11h26m48s
